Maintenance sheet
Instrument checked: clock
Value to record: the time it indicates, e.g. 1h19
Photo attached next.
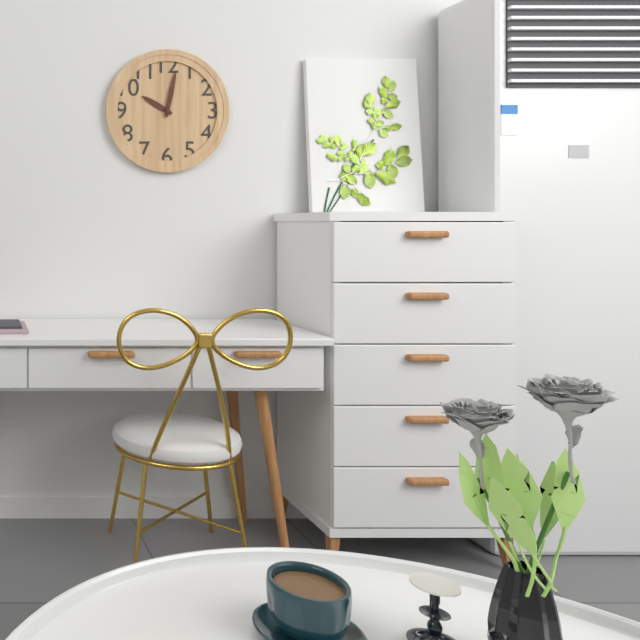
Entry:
10h02
